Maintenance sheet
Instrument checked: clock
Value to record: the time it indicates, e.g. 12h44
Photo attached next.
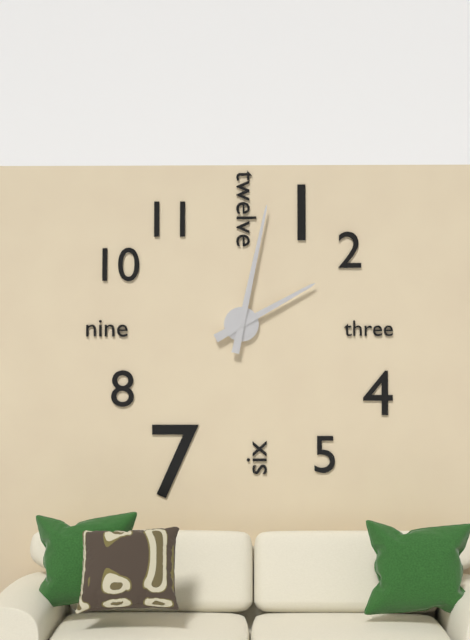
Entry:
2h02
